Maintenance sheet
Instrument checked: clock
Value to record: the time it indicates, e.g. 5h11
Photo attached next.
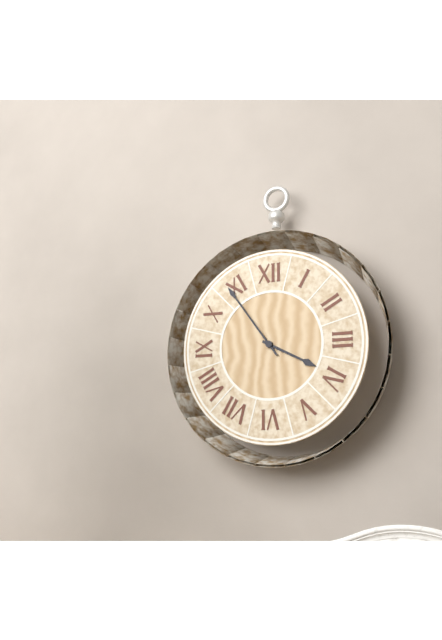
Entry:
3h54
